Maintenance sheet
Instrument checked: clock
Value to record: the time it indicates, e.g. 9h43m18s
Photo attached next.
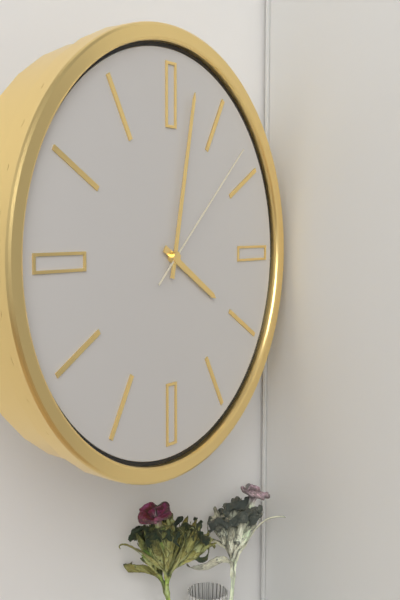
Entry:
4h02m08s
